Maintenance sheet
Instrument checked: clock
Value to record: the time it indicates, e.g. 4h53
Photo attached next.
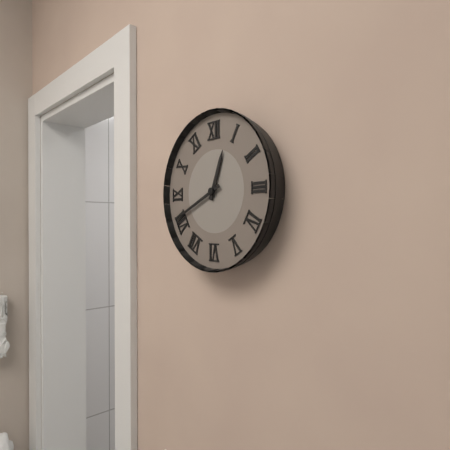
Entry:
12h41
